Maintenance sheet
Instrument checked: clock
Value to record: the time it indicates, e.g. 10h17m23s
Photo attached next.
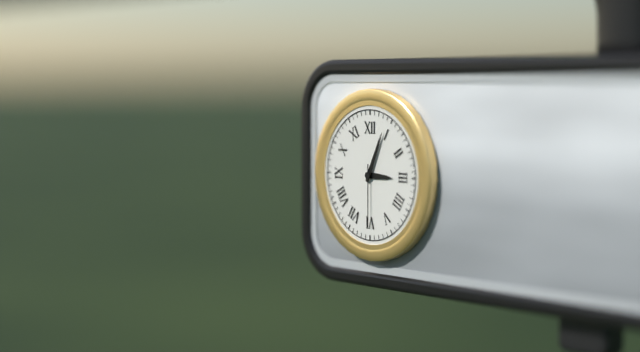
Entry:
3h04m30s
